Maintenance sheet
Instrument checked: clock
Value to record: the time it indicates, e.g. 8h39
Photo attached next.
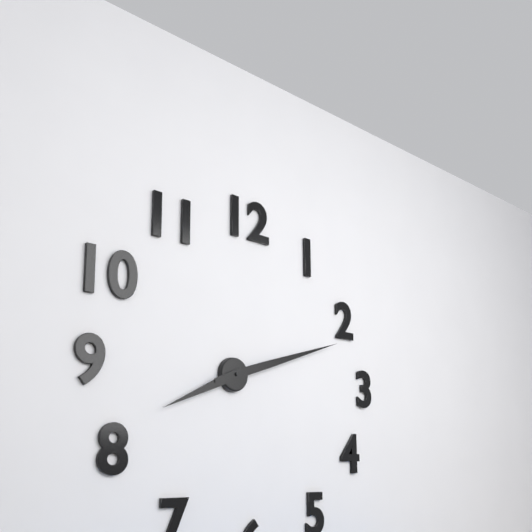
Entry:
8h12
